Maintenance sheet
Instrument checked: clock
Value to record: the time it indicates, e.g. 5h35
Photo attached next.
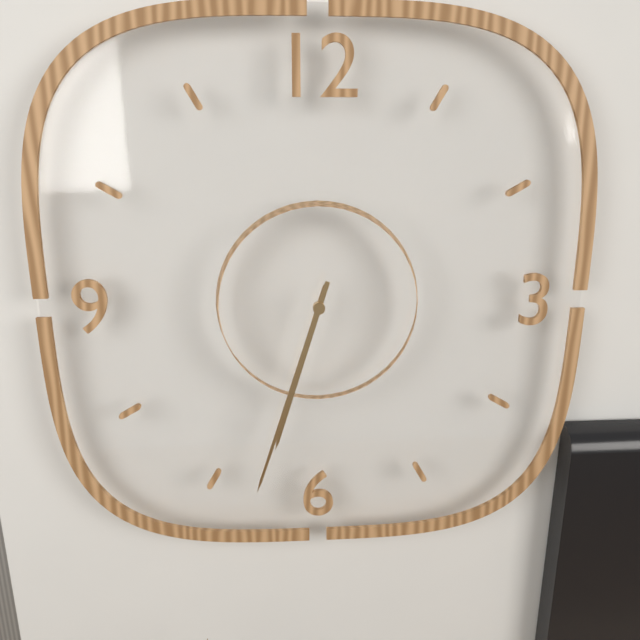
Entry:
6h33
